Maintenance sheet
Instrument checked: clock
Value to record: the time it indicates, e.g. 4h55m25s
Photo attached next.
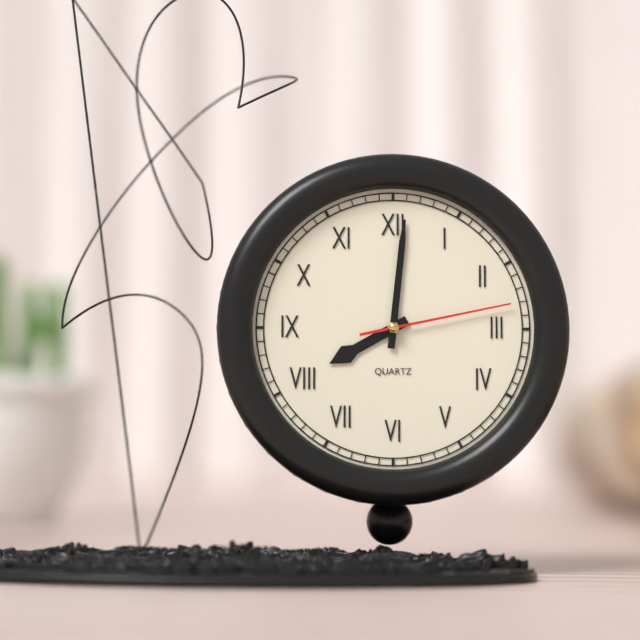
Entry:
8h01m13s
